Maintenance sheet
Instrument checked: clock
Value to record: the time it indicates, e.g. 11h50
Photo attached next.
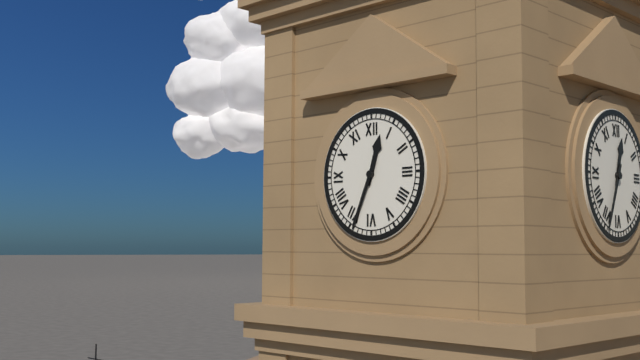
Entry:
12h34
